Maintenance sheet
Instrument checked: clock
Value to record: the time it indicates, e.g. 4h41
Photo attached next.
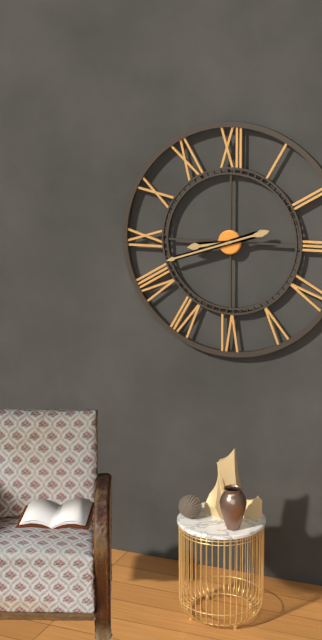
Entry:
8h42
